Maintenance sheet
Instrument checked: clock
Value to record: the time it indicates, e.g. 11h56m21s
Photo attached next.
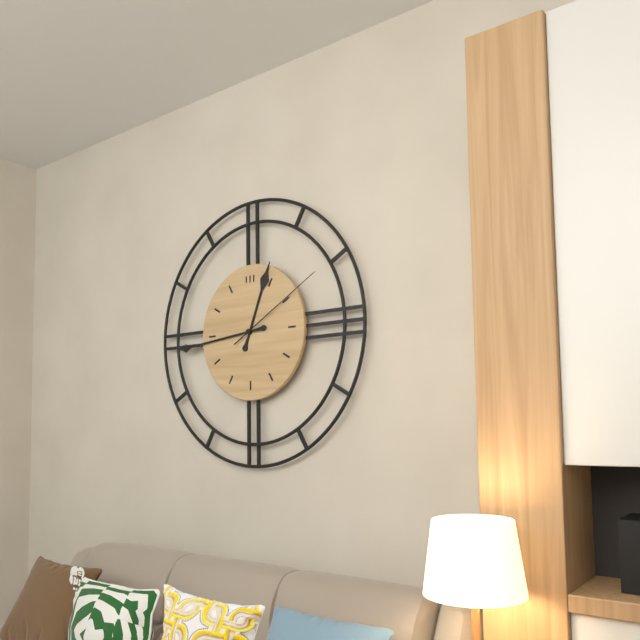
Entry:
12h44m10s
